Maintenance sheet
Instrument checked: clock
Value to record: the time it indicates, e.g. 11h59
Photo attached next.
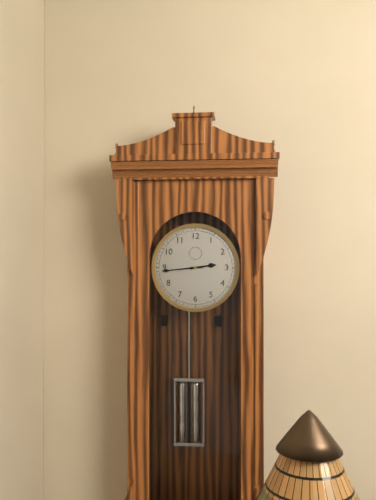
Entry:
2h44
